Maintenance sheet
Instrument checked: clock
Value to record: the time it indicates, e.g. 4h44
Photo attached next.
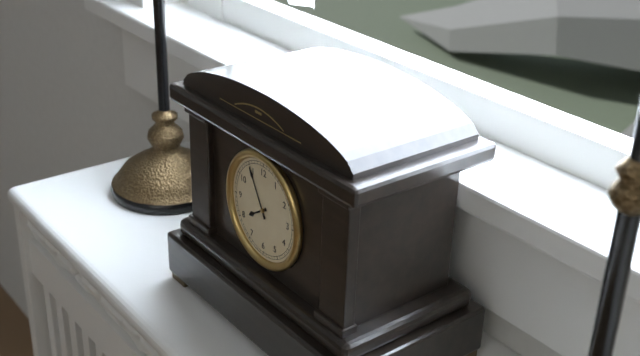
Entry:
7h55
